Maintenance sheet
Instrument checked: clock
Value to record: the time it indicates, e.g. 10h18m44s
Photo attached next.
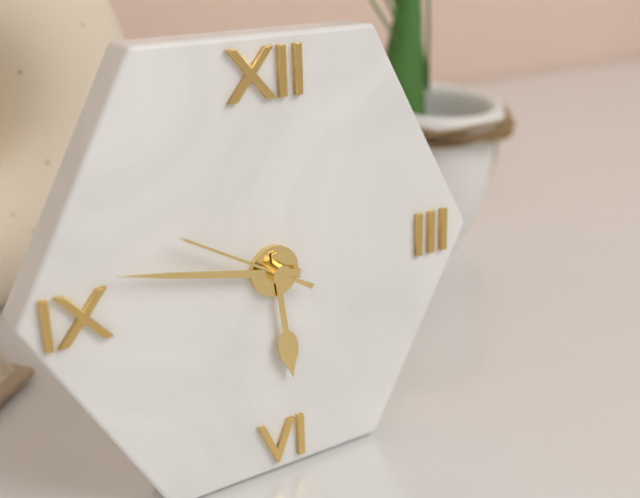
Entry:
5h47m50s
